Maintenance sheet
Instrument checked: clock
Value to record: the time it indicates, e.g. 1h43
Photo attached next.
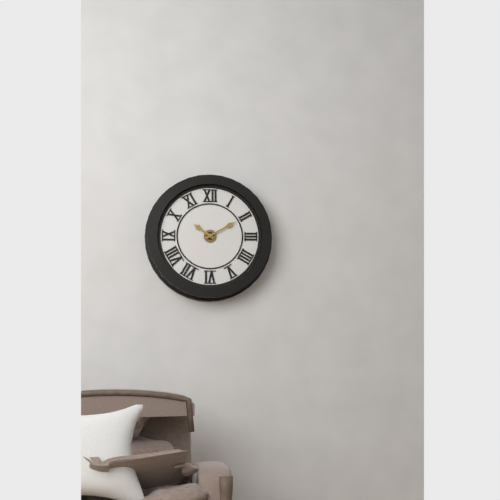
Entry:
10h10
